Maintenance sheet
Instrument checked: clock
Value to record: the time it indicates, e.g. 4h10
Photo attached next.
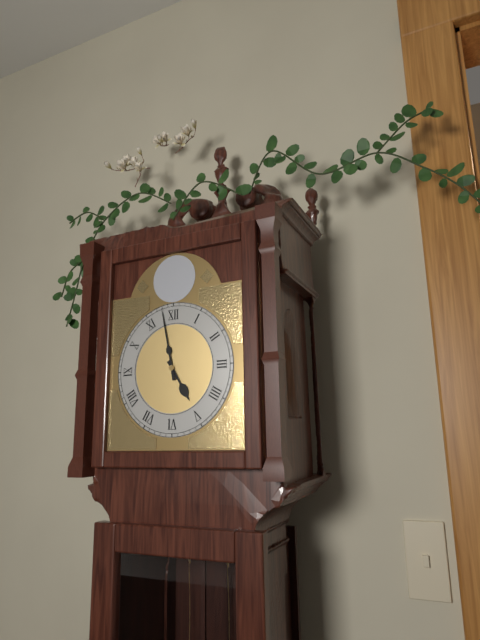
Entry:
4h58
